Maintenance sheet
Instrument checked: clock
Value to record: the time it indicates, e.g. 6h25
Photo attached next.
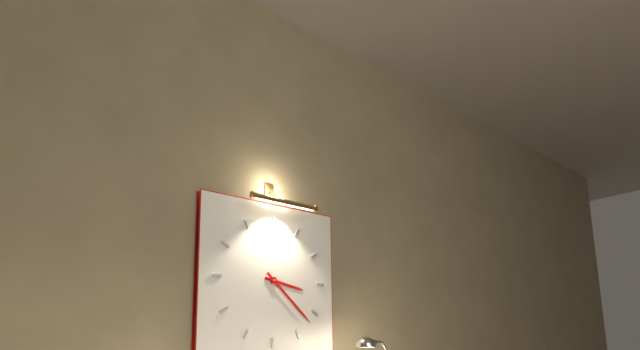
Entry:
3h22
